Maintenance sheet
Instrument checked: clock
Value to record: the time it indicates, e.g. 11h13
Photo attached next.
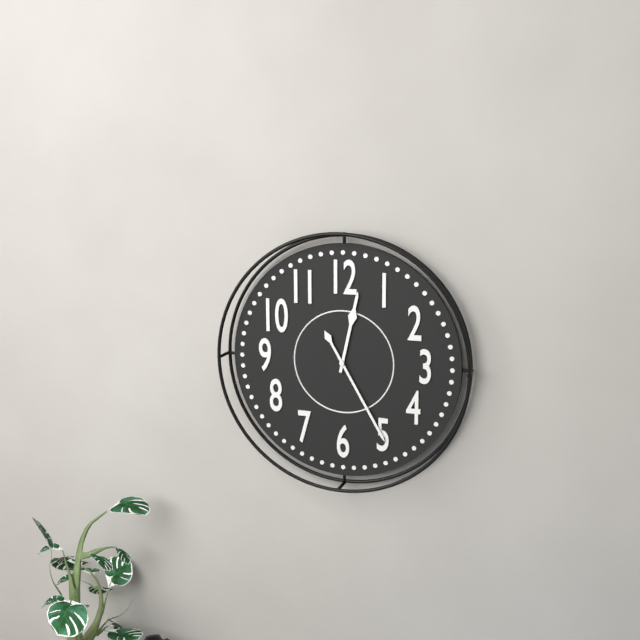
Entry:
12h25
